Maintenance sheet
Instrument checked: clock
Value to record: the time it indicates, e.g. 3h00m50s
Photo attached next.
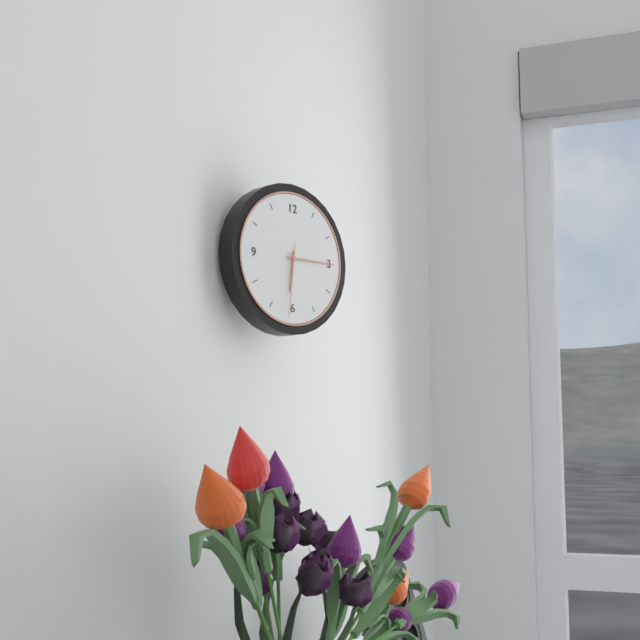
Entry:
6h15m31s
